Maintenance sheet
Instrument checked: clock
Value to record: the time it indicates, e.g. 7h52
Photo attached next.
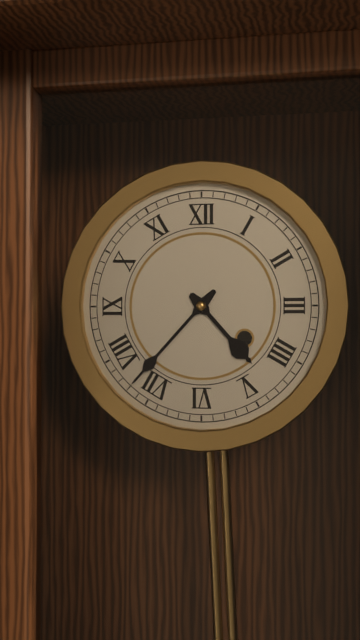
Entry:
4h37
